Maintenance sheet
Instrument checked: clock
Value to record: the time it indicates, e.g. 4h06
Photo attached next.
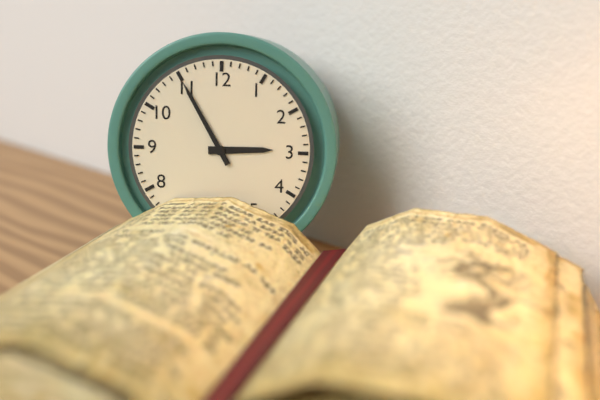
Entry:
2h55
